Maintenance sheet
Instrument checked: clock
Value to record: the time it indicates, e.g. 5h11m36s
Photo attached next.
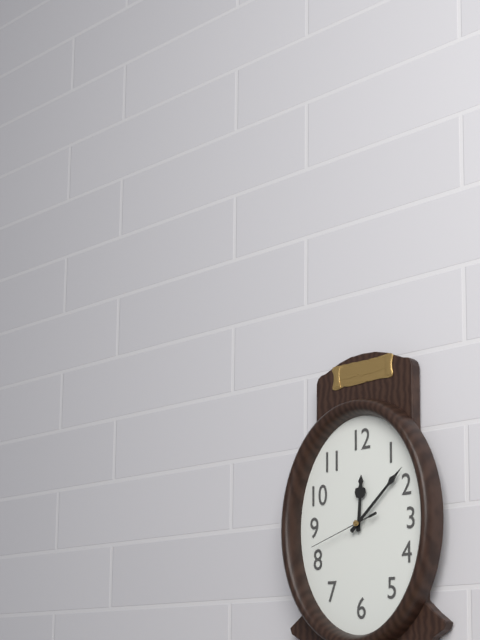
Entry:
12h08m42s
